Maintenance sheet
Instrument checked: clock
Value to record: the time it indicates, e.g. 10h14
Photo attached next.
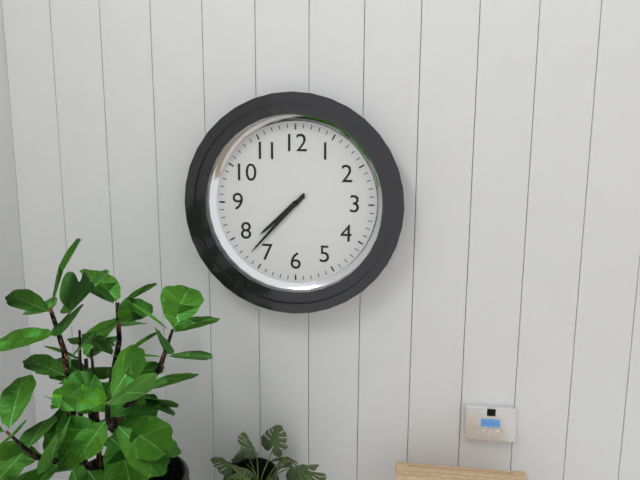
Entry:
7h37
